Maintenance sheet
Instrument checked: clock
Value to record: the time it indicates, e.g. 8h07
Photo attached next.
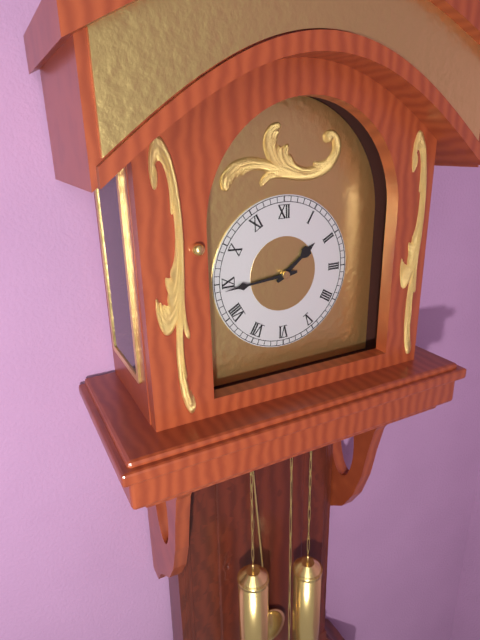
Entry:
1h44
